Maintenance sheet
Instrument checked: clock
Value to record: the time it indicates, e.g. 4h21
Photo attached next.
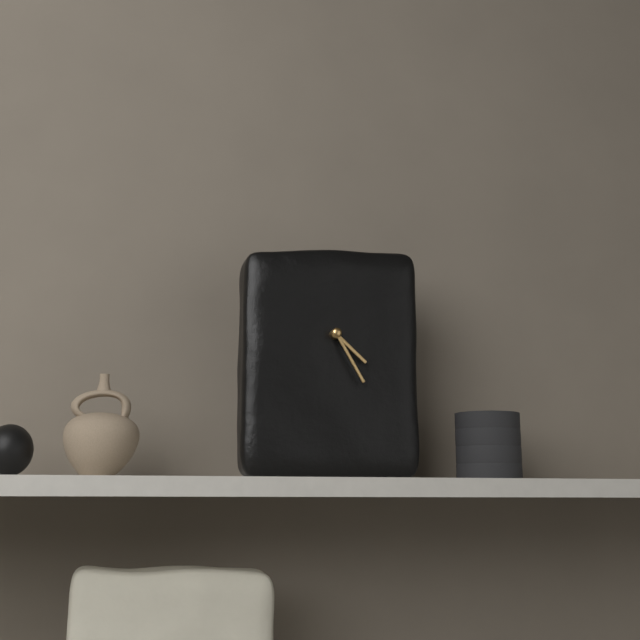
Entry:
4h25
